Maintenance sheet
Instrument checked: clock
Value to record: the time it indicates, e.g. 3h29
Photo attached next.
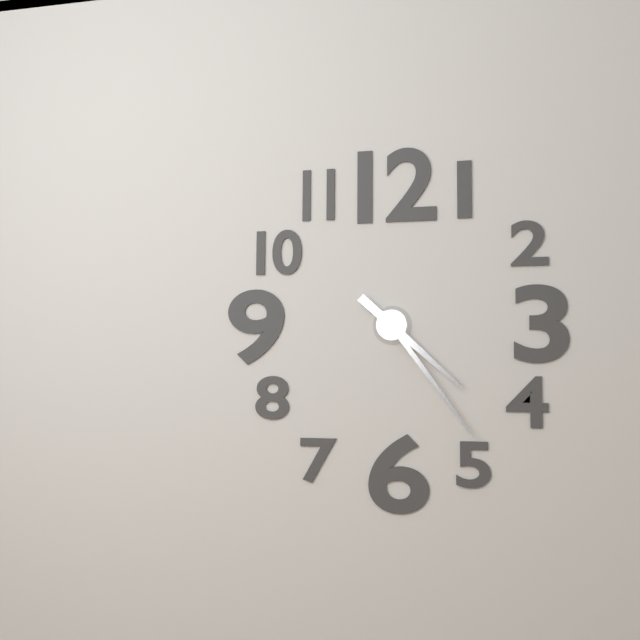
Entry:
4h24
